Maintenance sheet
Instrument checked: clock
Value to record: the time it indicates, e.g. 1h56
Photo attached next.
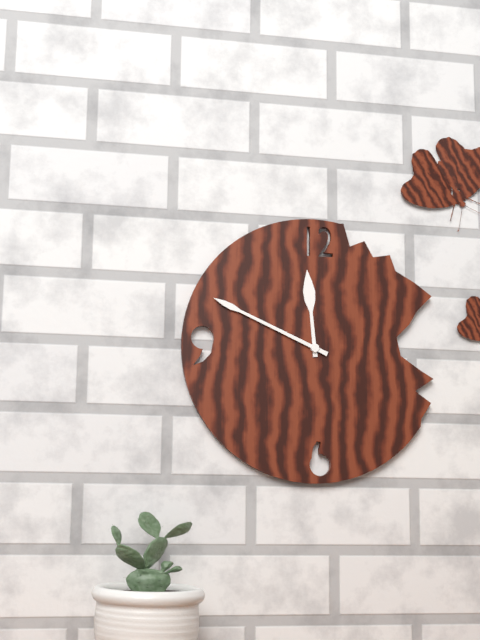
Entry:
11h49
